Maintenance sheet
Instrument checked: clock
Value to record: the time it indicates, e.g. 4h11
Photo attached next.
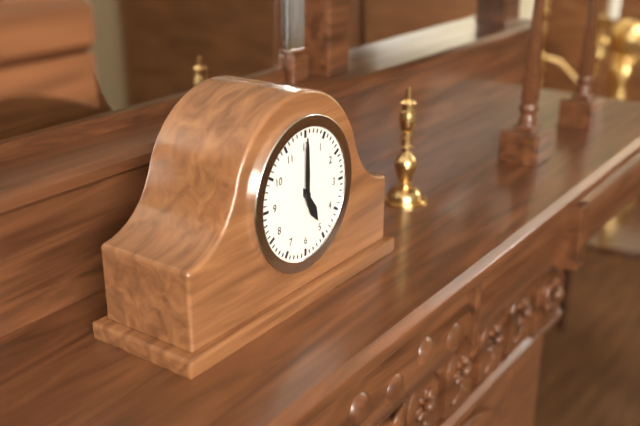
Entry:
5h00
